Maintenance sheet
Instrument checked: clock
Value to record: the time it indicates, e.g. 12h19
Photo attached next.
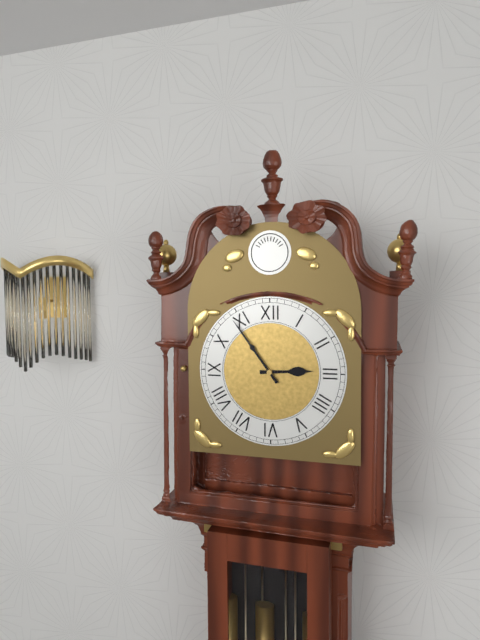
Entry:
2h54
